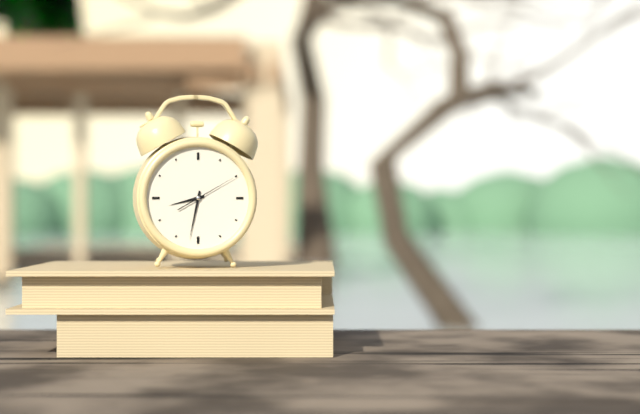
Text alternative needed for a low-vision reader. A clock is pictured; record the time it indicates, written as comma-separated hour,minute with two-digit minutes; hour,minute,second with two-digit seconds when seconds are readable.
8,32,10
